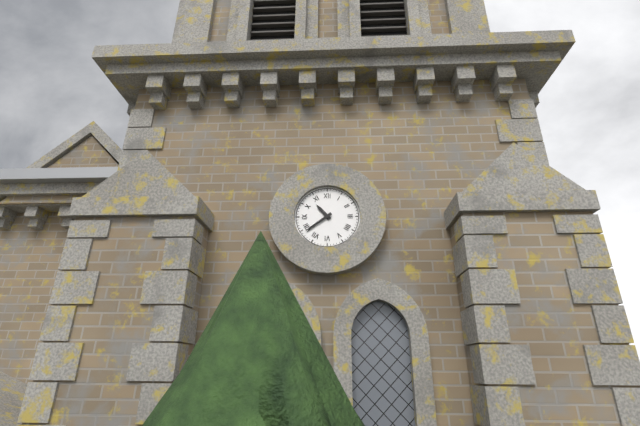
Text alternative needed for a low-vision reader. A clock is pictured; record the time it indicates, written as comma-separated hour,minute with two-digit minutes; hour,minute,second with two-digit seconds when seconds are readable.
10,39
